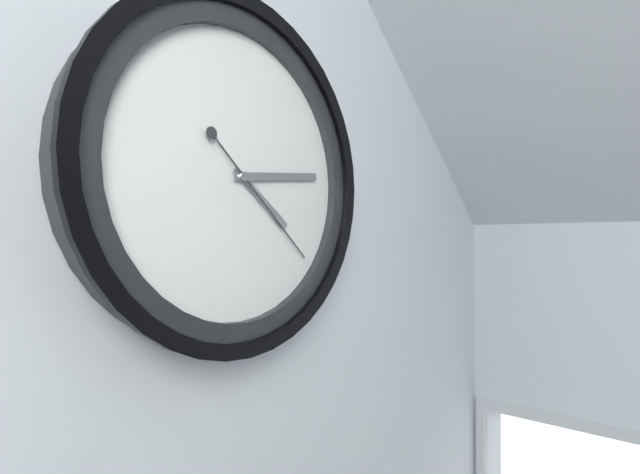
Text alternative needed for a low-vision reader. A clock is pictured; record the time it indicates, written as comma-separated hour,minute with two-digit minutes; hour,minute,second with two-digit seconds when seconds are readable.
4,14,22
